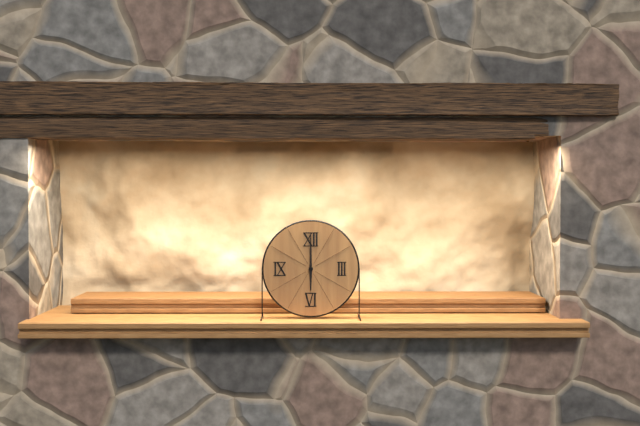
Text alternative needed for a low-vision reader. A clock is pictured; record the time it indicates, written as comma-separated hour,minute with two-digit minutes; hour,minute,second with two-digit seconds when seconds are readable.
6,00
